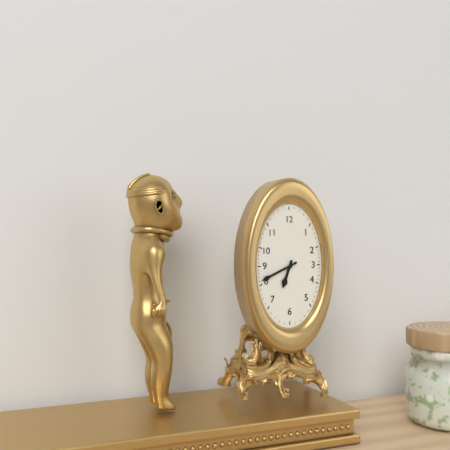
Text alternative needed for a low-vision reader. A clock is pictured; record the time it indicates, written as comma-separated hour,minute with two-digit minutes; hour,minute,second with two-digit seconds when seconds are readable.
6,41
